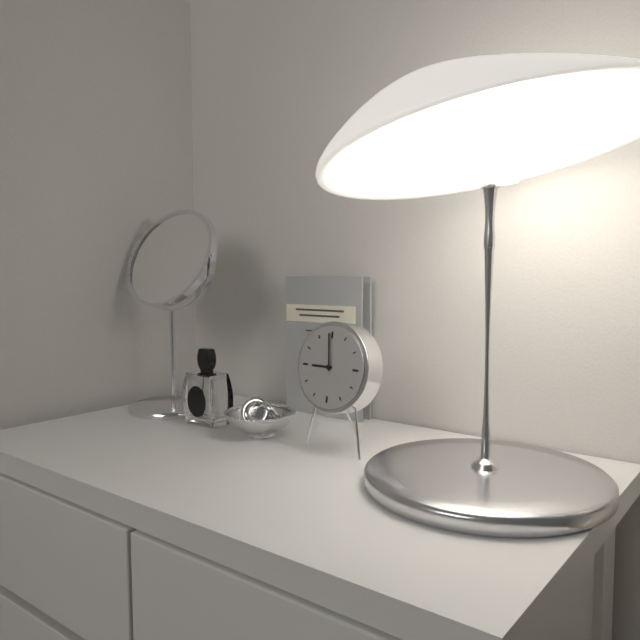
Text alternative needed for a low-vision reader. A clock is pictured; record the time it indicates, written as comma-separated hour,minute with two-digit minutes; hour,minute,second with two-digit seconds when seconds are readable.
8,59
